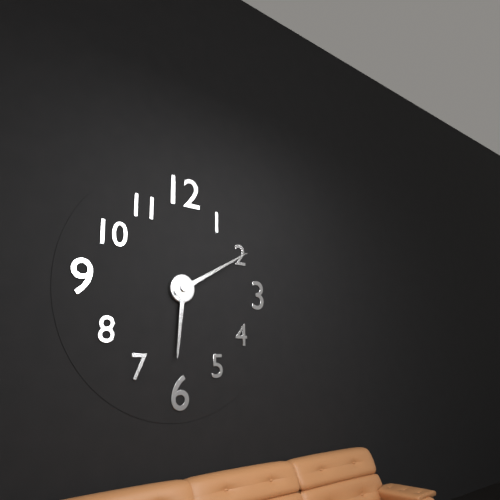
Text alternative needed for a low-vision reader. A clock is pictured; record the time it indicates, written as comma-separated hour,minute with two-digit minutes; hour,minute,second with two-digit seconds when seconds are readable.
6,10
